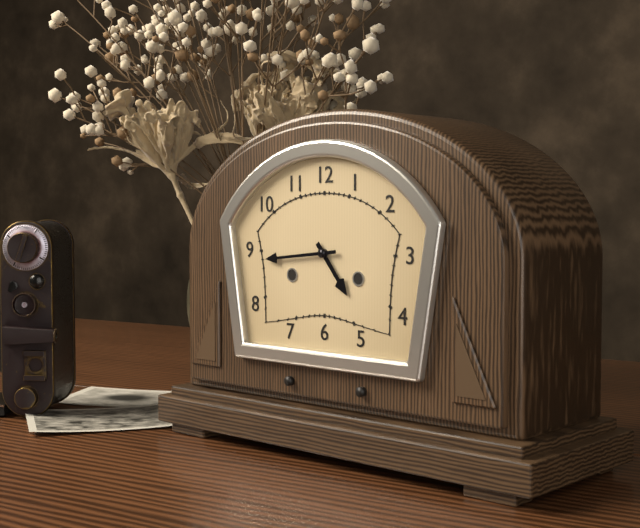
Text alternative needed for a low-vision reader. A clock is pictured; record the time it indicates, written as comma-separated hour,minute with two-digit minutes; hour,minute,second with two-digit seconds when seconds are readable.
4,44
